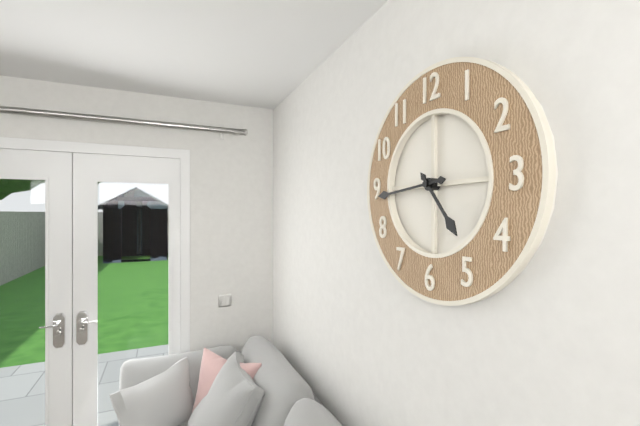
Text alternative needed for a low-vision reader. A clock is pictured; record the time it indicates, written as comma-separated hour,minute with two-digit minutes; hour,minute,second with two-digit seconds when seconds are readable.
4,44
